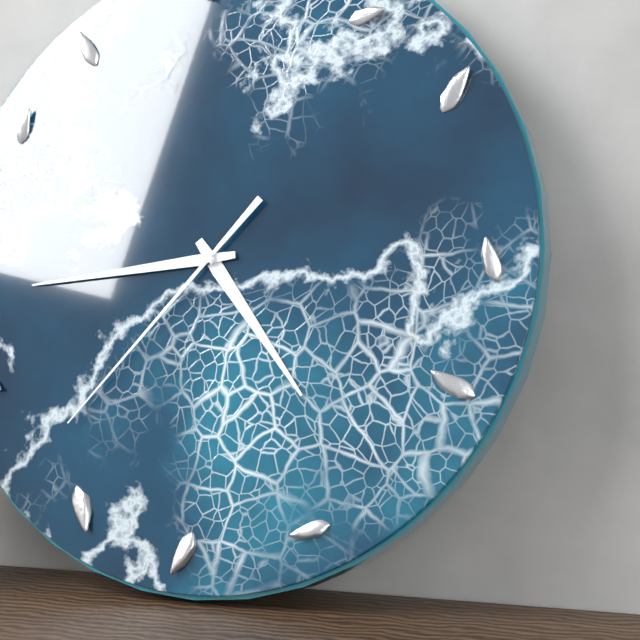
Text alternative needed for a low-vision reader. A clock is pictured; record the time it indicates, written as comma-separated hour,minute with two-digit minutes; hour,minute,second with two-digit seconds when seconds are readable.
4,44,37
